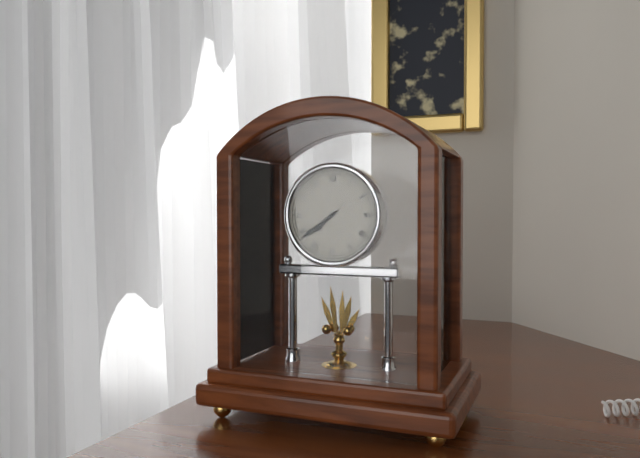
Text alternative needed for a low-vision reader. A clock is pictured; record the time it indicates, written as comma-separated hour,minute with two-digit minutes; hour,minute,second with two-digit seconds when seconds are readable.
7,39
